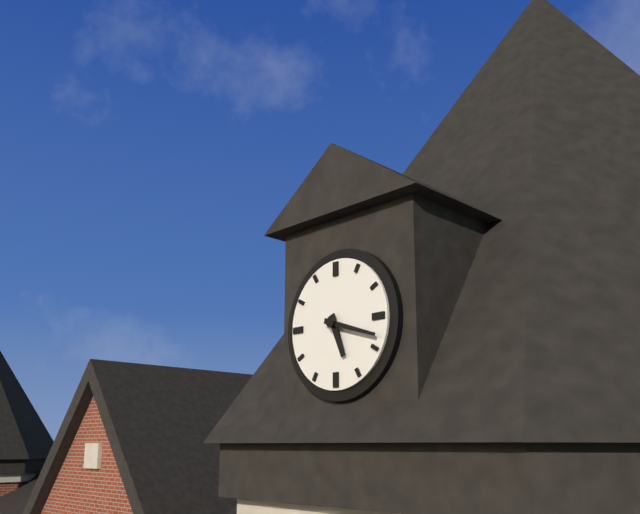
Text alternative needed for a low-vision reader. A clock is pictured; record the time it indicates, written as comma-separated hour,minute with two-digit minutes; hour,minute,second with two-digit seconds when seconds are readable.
5,18
